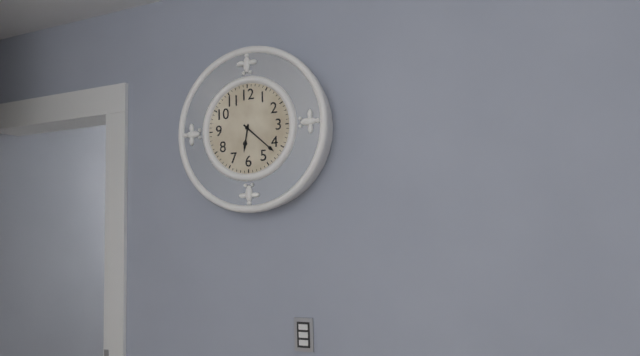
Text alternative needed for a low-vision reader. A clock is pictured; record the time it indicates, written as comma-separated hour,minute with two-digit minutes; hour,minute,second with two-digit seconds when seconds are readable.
6,22
